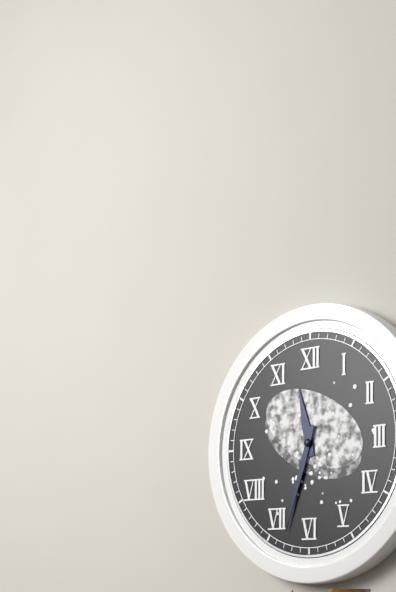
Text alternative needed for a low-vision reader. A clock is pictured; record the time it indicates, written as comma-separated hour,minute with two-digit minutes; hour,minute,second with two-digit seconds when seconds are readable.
11,33
